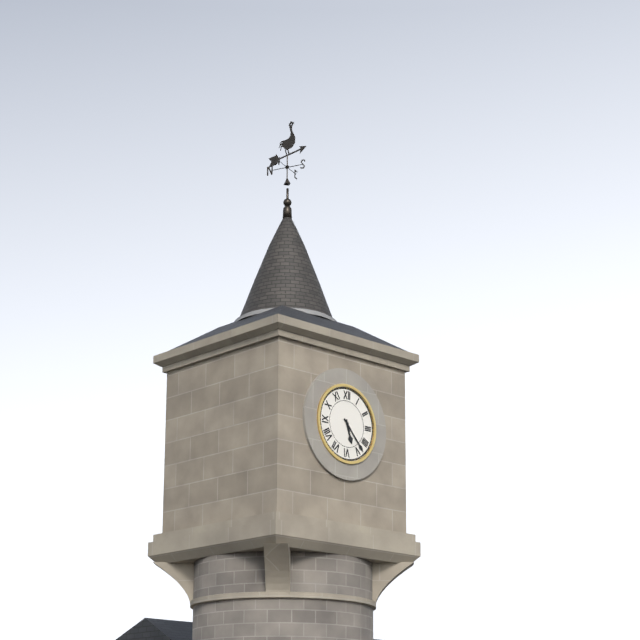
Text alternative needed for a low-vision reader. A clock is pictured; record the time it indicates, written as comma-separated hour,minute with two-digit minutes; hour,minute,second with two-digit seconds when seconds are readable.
5,23
